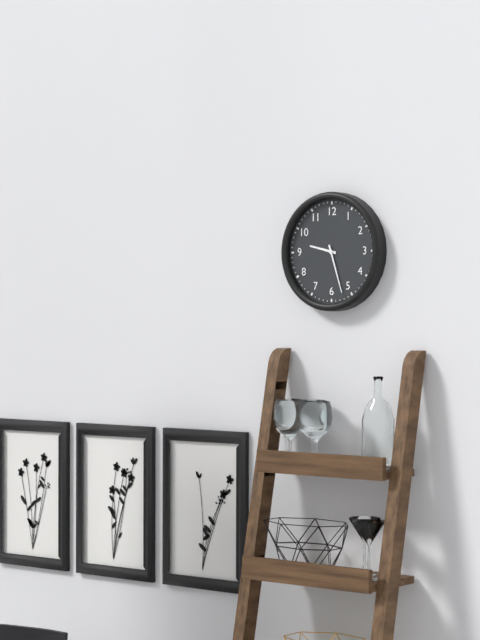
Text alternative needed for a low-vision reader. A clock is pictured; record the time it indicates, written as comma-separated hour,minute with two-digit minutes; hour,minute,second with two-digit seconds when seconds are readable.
9,27
